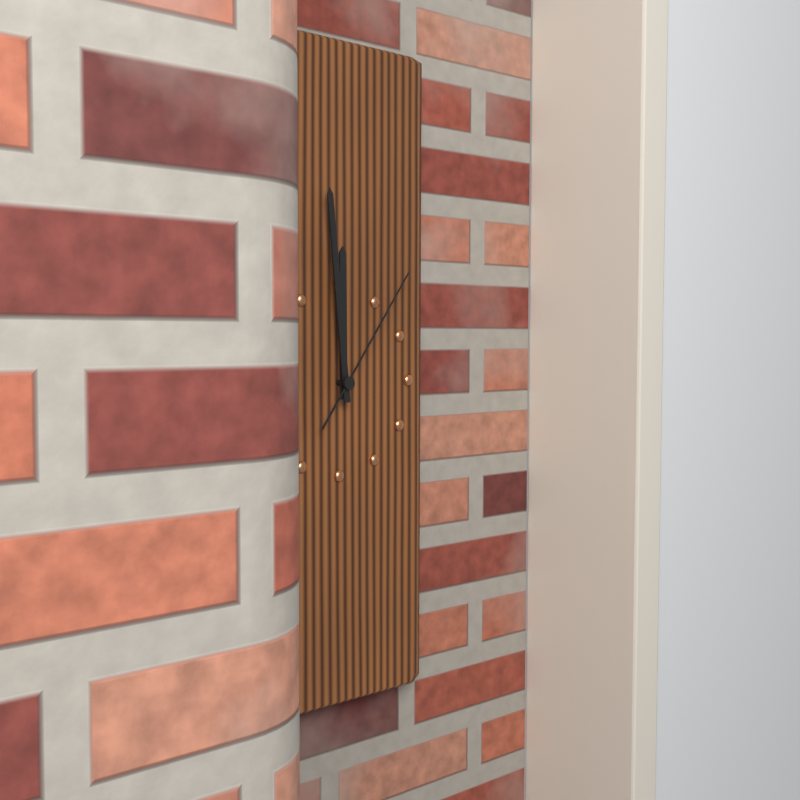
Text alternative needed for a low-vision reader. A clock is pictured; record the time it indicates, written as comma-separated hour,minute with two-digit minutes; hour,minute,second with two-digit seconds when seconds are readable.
11,59,06
